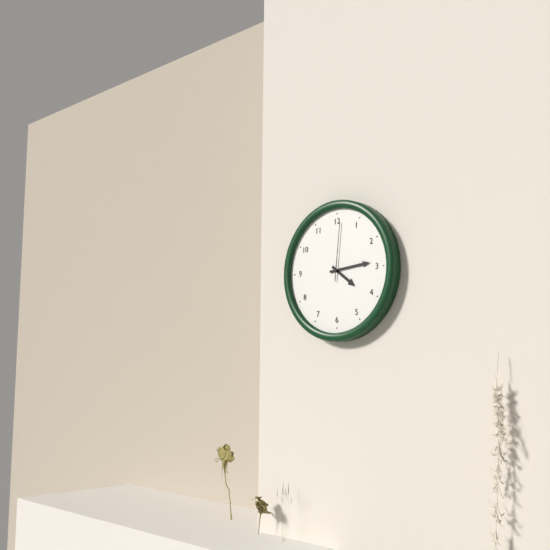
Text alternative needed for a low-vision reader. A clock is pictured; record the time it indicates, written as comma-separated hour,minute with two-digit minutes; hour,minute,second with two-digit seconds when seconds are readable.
4,14,01
